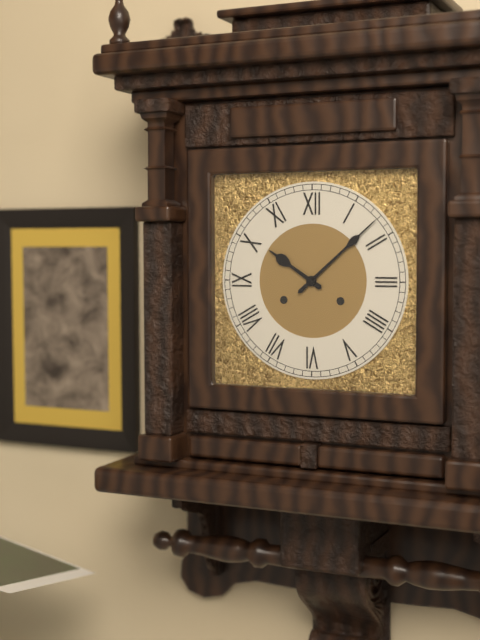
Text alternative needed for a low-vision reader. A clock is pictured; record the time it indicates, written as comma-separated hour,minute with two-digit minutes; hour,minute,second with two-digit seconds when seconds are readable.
10,08
